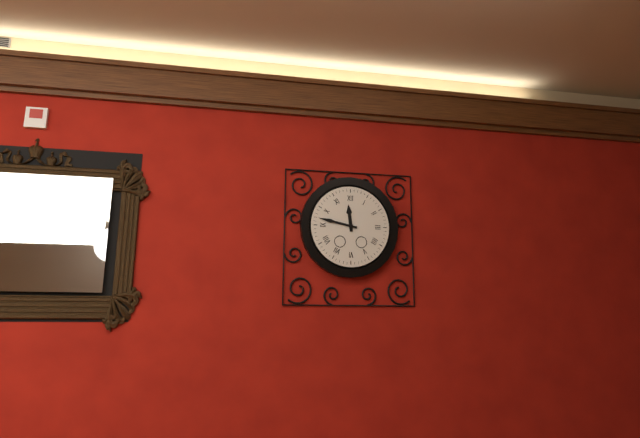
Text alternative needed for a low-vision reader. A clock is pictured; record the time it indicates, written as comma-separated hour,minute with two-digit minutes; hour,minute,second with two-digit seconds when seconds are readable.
11,47
